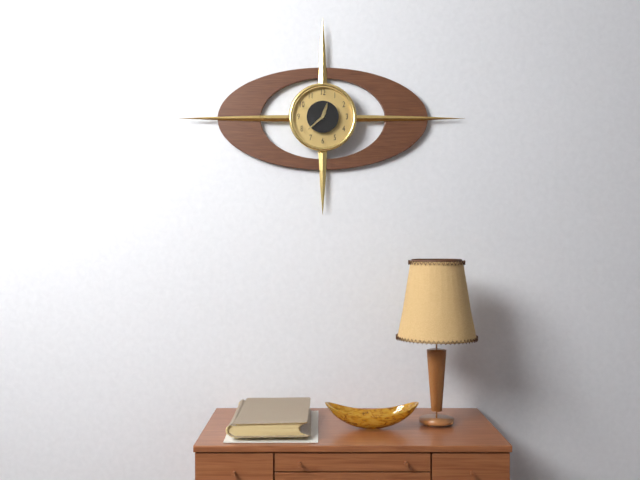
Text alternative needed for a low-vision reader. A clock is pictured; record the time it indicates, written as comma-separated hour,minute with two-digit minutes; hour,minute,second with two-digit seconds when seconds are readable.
12,38
